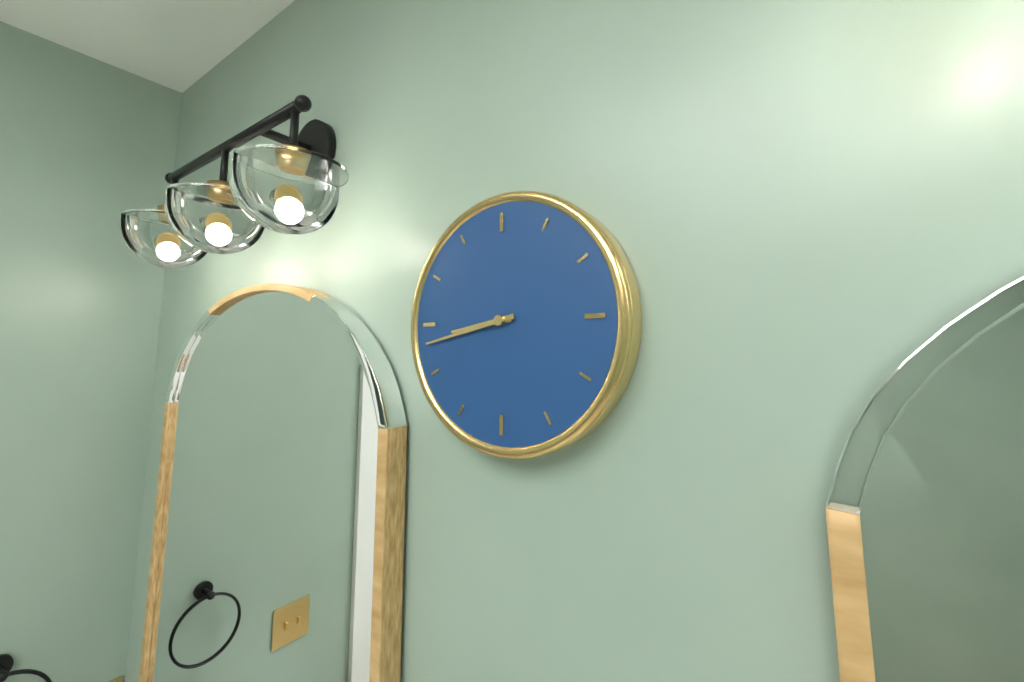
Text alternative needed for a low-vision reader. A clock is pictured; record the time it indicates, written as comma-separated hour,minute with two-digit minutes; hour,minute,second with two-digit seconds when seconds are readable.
8,43
